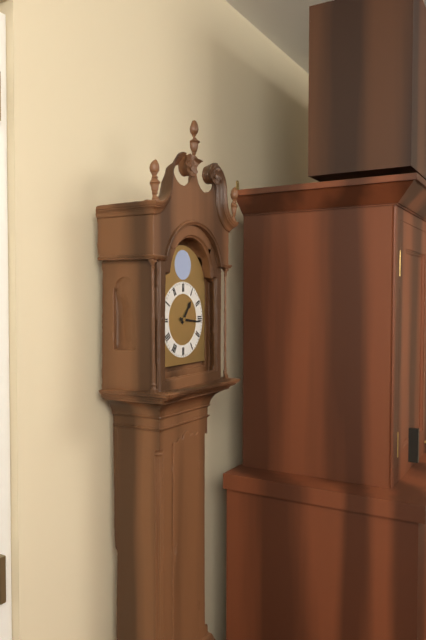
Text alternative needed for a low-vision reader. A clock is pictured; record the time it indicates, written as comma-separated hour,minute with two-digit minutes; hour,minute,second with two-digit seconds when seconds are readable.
1,16
